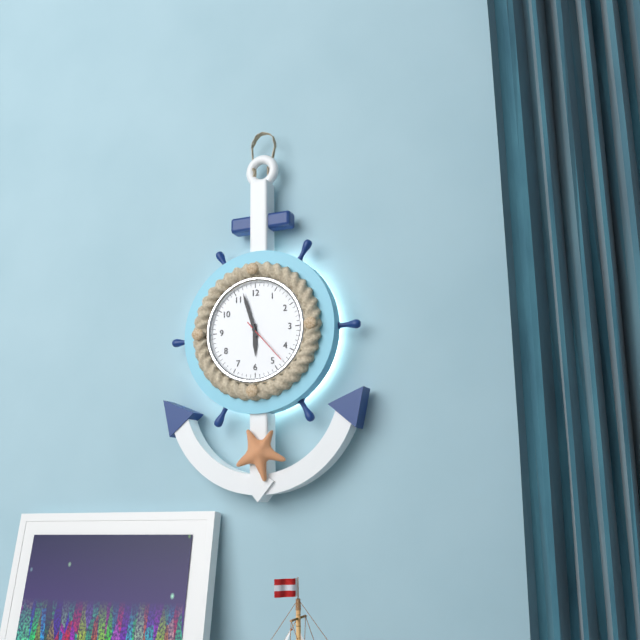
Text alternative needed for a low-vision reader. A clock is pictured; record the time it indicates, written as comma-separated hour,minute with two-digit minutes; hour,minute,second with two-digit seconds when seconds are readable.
5,57,23
